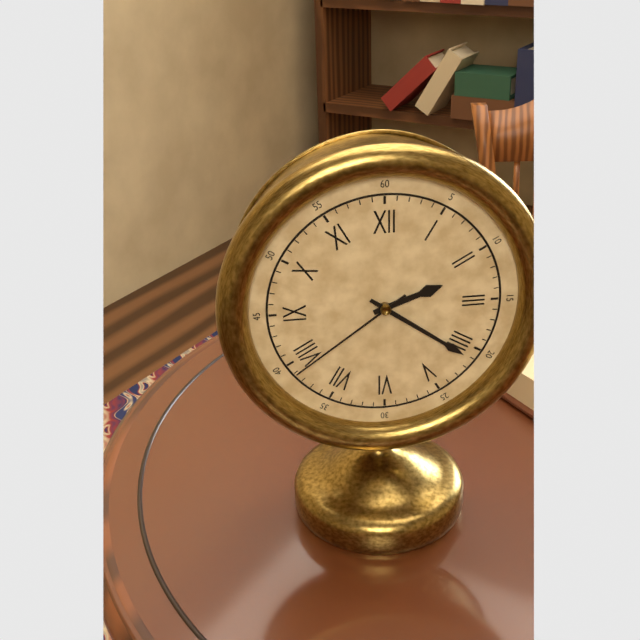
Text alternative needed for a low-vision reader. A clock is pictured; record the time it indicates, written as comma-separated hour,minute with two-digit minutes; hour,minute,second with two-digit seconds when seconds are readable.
2,21,39
